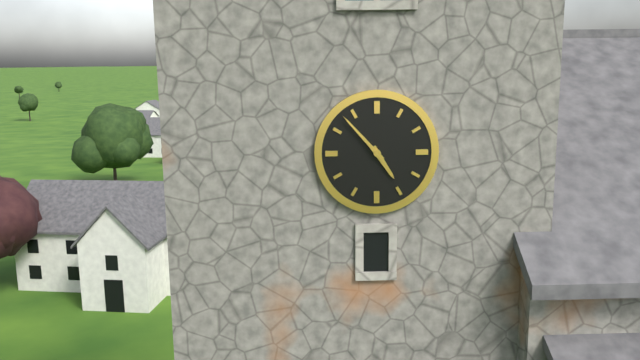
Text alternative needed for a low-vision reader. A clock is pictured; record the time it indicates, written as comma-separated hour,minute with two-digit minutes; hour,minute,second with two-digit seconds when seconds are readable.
4,53
